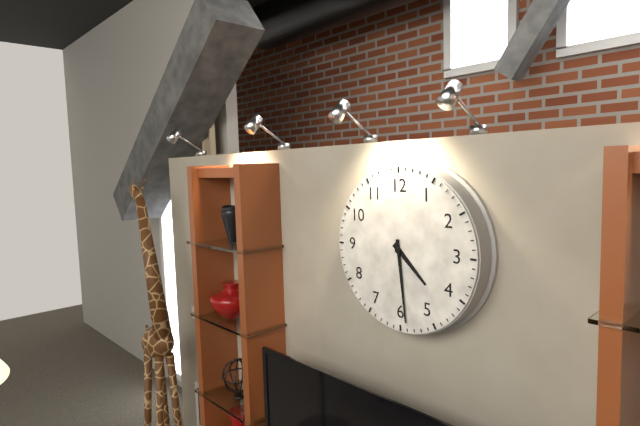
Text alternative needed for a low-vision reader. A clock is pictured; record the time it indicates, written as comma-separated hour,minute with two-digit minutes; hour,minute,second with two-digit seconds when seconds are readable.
4,29
